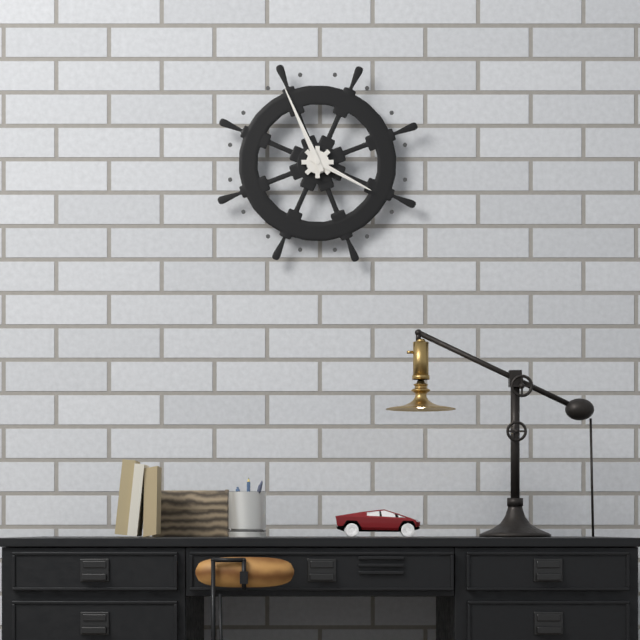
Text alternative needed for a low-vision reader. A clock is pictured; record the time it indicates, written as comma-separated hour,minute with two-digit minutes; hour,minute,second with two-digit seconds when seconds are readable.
3,56
